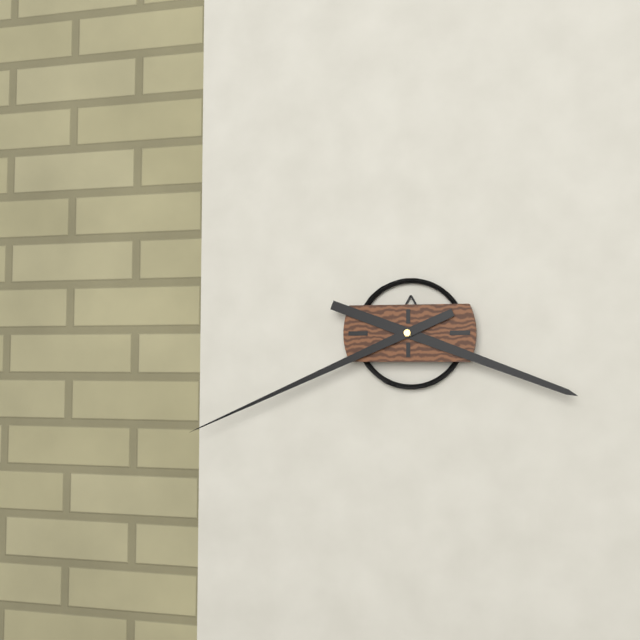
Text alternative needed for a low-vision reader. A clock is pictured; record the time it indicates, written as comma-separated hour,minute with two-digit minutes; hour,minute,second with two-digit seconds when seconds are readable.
3,41
